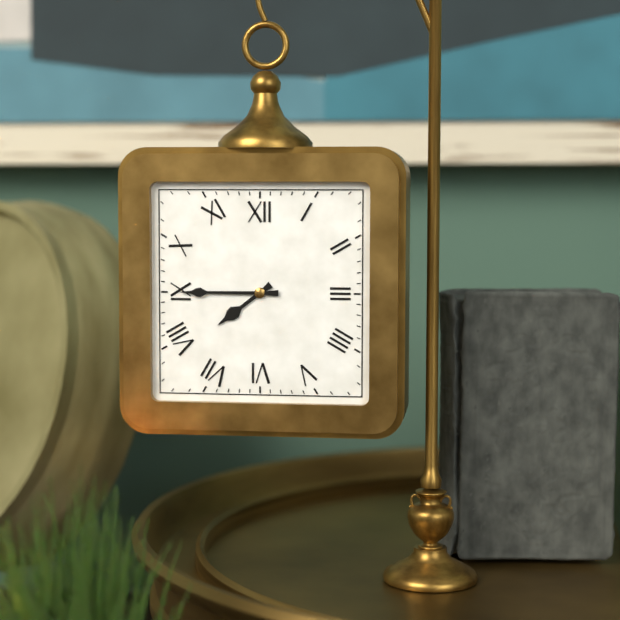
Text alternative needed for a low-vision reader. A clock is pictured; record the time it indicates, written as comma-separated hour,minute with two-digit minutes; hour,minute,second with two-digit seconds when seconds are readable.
7,45
